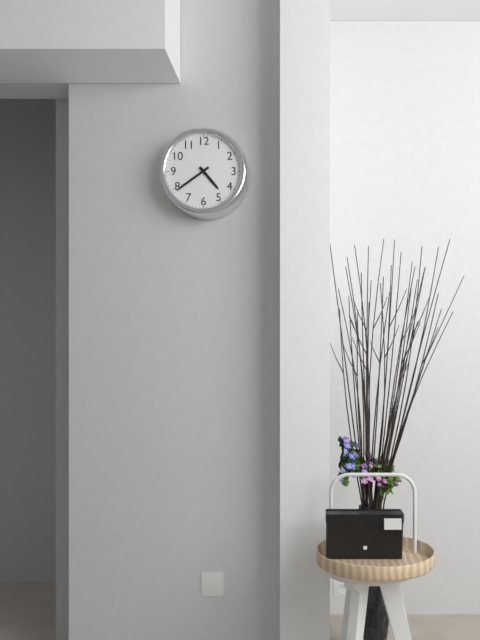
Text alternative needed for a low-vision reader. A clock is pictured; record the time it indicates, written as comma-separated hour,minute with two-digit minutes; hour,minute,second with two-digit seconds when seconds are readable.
4,39
